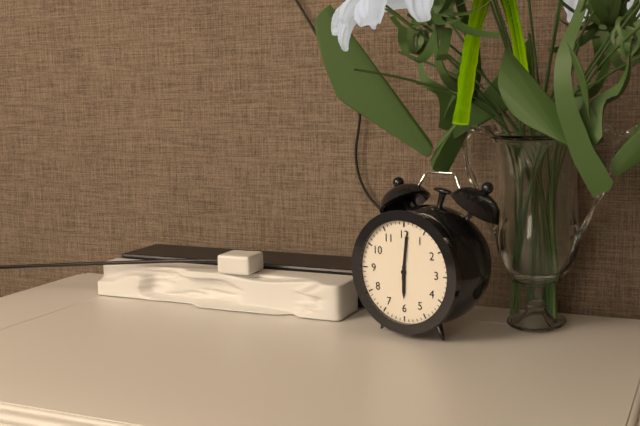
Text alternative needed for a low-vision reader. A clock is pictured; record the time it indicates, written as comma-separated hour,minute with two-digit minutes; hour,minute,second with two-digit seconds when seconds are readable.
6,01
